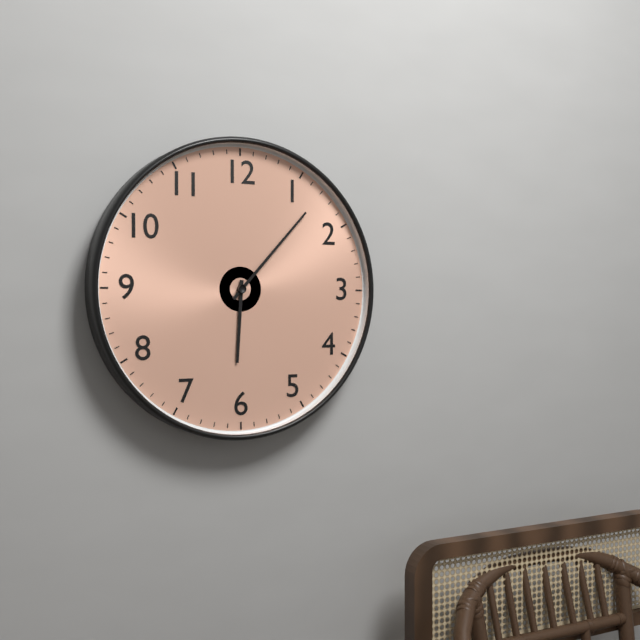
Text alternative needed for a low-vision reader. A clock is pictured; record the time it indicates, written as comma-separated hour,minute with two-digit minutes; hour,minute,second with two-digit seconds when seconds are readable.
6,07
